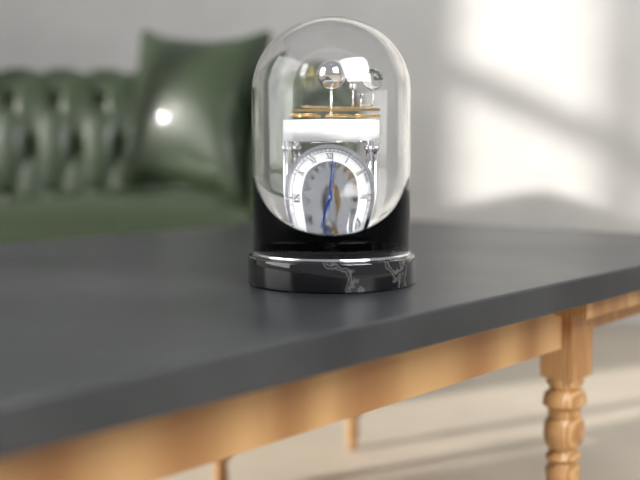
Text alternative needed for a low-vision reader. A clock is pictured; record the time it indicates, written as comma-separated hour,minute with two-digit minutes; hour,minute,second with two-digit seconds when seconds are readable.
7,01
